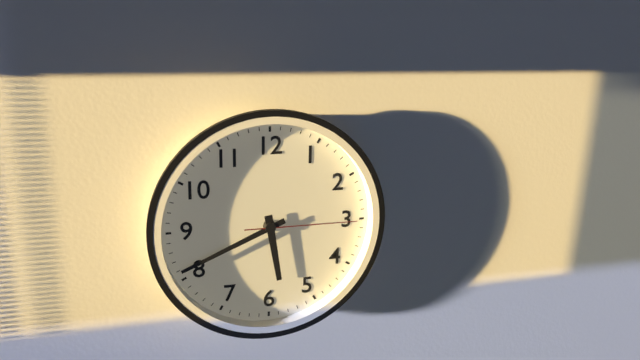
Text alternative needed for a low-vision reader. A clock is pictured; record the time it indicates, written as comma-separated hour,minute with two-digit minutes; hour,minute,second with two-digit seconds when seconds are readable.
5,41,15
